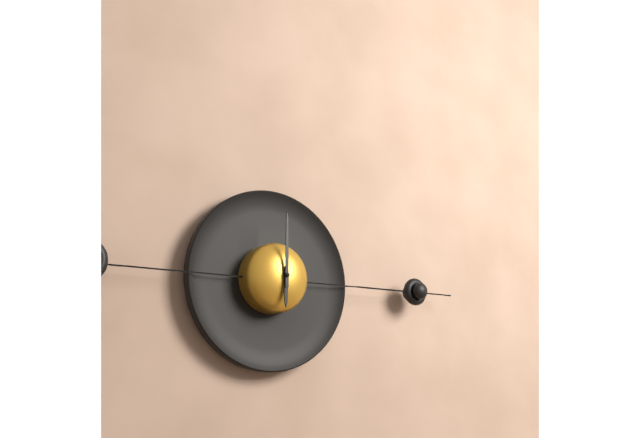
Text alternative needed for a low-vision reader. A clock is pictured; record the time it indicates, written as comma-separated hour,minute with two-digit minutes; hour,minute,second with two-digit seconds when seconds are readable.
6,00
